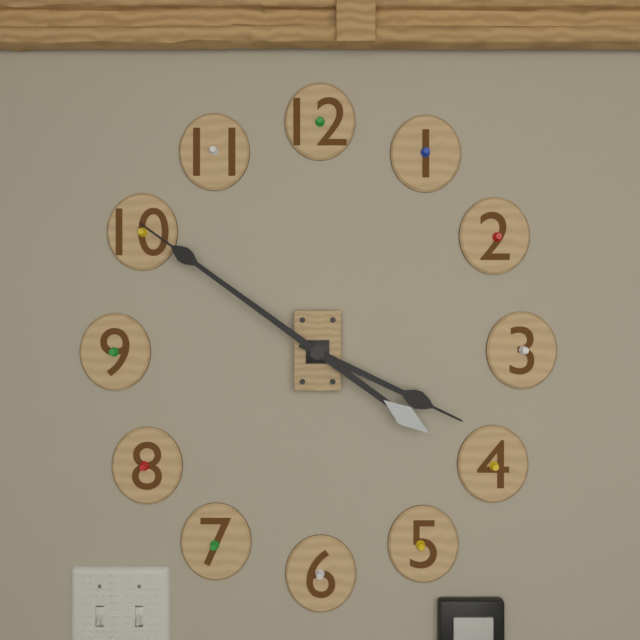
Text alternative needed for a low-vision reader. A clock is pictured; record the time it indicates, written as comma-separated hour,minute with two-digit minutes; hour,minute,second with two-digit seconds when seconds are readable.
3,51
